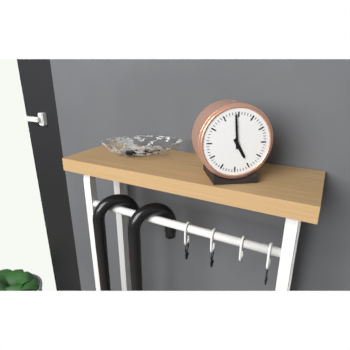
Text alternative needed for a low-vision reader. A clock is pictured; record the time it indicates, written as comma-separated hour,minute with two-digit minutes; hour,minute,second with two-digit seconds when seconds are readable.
4,59
